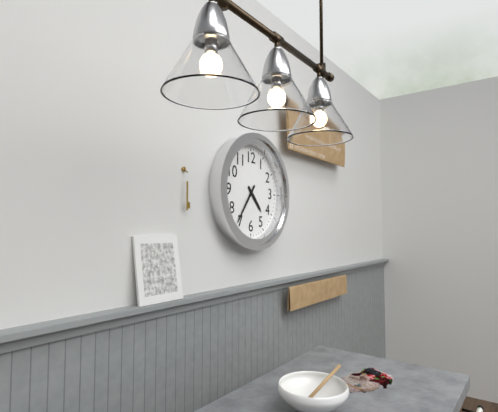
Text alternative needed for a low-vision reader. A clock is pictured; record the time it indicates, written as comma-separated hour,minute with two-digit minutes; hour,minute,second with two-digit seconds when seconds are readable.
4,36
